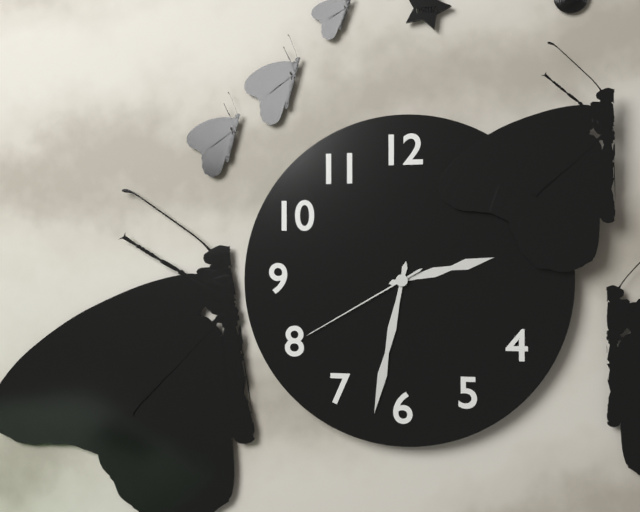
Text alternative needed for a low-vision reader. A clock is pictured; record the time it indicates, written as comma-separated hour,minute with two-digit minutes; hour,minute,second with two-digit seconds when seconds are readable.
2,32,40
